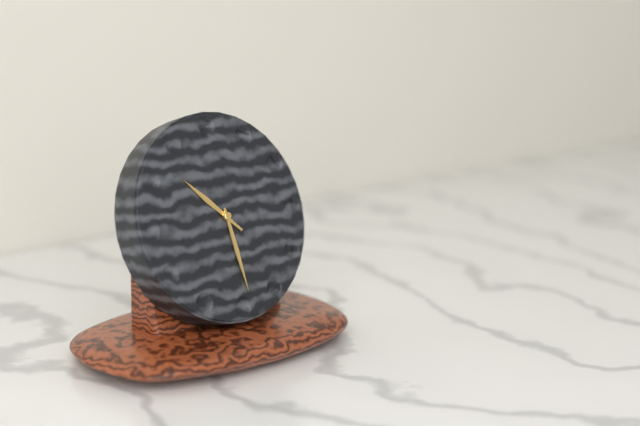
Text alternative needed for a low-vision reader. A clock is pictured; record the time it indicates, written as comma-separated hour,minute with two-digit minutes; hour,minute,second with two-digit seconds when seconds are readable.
10,29
